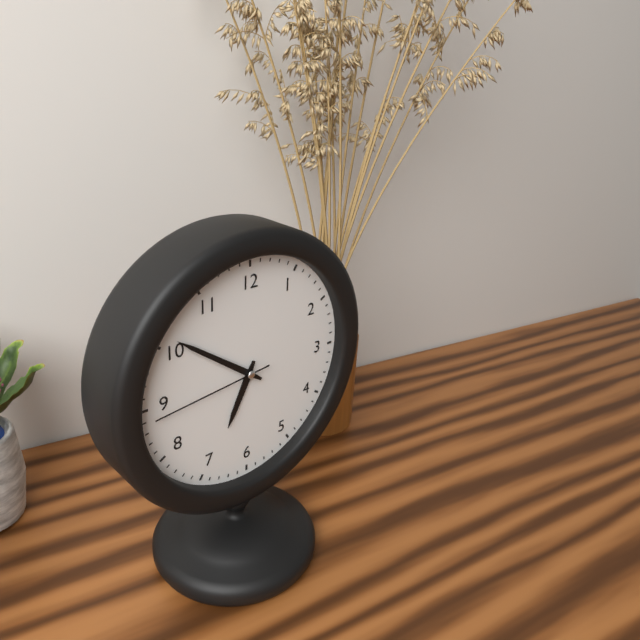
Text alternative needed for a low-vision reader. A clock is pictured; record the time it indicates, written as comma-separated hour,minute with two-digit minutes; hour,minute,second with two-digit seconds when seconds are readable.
6,51,44
